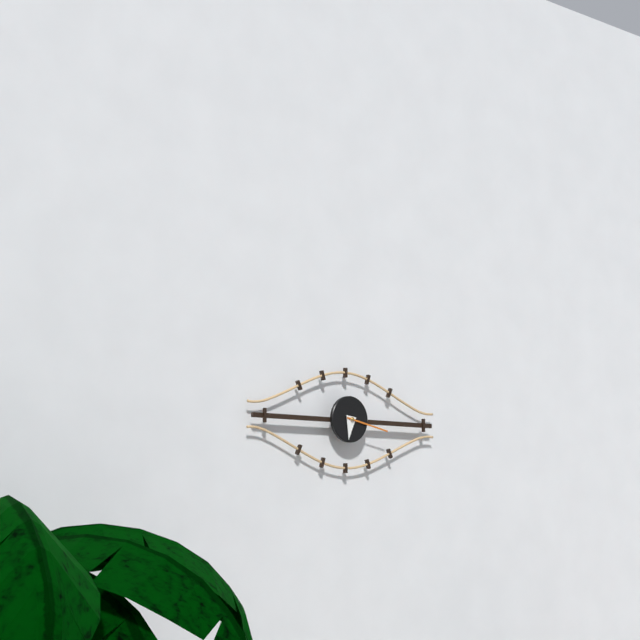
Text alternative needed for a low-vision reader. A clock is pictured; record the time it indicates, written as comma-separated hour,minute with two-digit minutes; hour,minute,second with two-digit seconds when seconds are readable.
6,17
